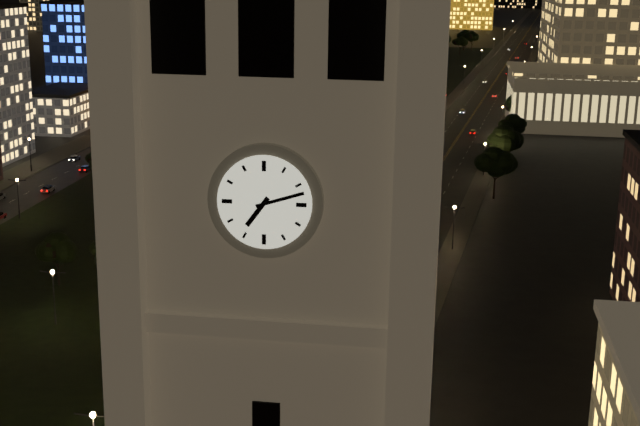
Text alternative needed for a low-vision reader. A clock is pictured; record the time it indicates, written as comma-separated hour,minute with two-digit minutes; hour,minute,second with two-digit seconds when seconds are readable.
7,12
